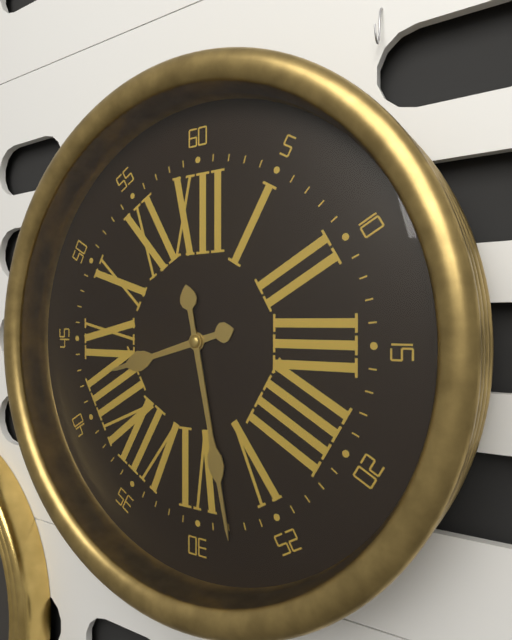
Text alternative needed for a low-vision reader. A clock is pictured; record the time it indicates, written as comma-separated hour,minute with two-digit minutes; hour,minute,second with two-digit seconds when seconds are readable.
8,28
